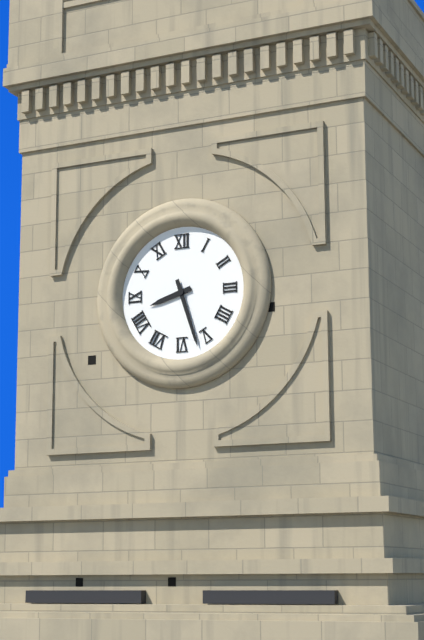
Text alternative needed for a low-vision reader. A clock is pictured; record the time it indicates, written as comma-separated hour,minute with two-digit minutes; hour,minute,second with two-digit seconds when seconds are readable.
8,27
